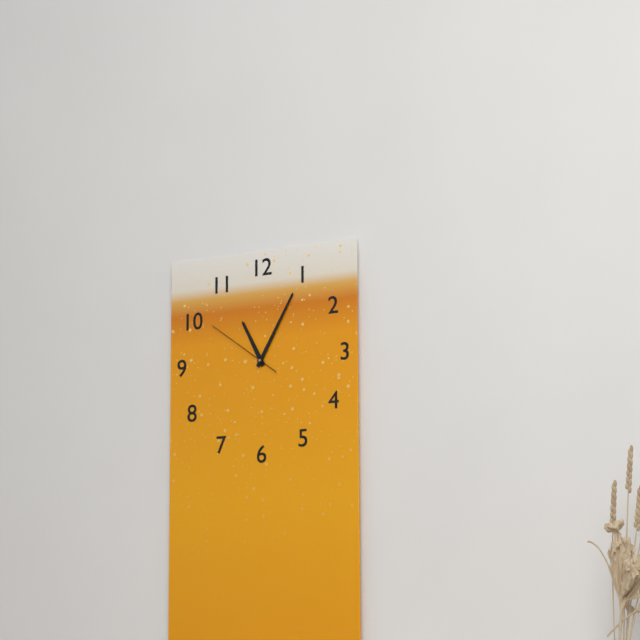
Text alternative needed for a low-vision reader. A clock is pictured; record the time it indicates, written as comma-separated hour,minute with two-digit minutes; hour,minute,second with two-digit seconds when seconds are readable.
11,05,51
